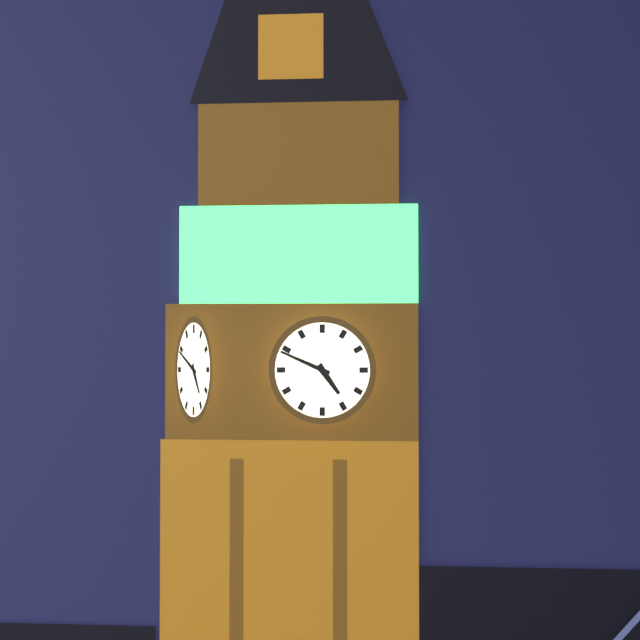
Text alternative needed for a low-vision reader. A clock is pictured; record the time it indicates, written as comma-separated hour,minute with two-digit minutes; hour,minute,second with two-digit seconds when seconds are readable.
4,49
